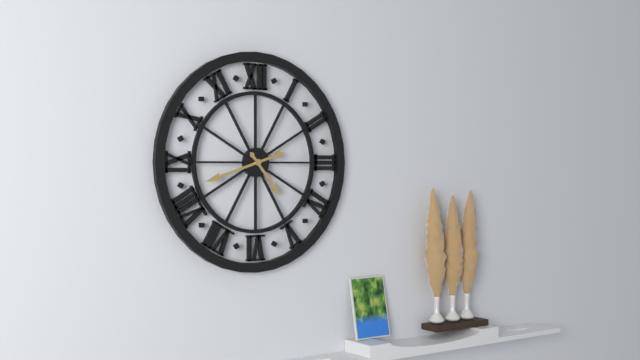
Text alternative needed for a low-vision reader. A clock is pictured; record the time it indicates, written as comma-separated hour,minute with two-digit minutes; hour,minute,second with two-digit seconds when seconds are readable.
4,42
